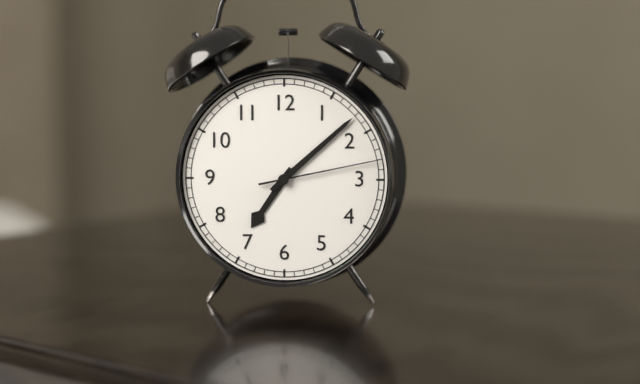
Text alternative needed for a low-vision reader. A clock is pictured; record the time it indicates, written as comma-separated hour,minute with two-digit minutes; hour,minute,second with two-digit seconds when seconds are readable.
7,08,13
